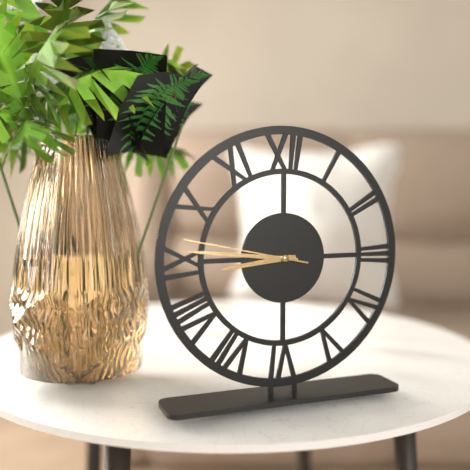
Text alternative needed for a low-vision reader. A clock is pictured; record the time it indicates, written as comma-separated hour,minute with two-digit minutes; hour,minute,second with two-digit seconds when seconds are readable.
8,46,47
